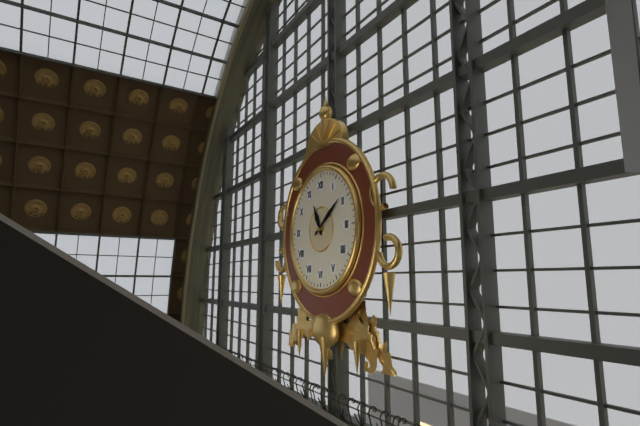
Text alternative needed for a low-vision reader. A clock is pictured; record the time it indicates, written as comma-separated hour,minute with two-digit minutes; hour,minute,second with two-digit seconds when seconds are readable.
11,09
